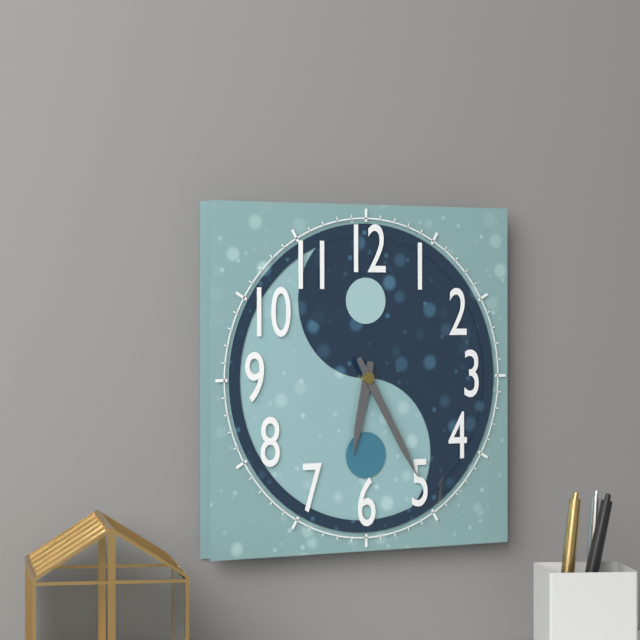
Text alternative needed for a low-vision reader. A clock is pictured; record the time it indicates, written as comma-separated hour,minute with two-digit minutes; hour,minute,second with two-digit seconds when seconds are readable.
6,25
